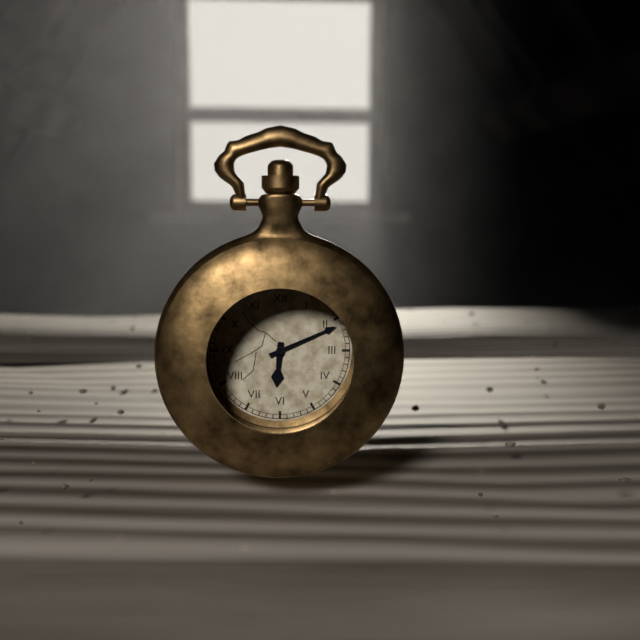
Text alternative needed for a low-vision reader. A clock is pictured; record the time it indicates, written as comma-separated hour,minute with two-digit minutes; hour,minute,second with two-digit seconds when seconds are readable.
6,11
